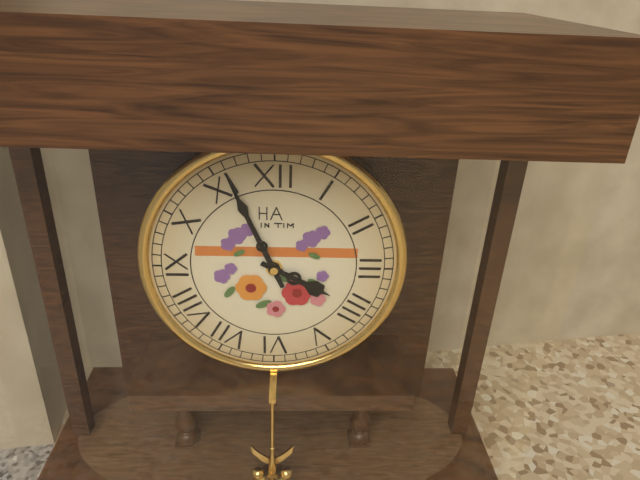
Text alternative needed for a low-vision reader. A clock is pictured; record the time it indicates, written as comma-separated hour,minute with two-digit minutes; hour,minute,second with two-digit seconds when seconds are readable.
3,56
